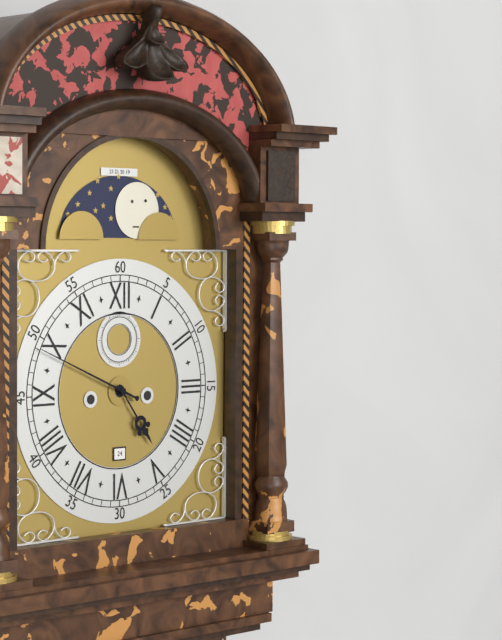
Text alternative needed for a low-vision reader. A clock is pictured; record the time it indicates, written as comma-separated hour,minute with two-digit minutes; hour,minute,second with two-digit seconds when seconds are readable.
4,49
